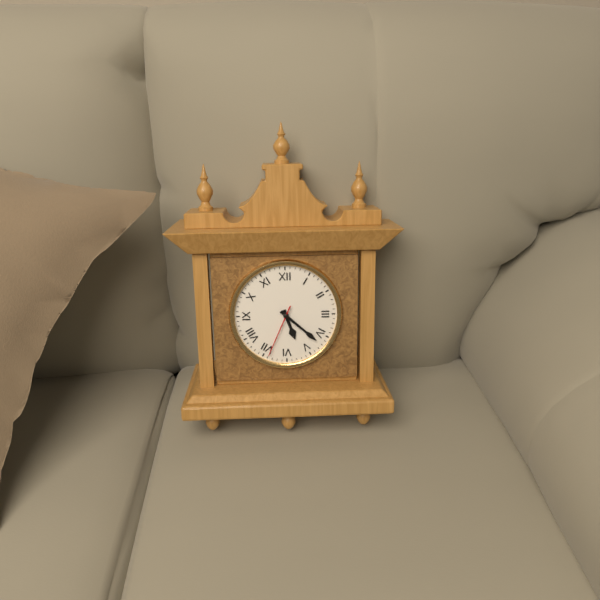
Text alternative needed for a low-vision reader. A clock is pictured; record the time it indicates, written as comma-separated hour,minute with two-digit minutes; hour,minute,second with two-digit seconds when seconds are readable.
5,22,34
